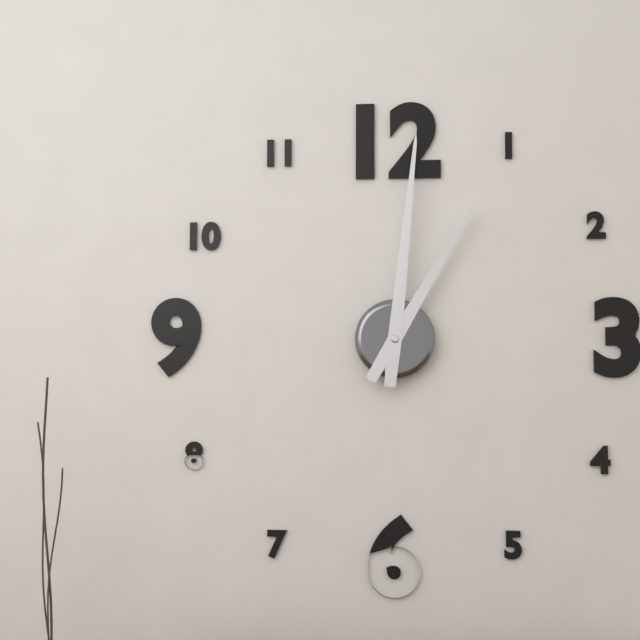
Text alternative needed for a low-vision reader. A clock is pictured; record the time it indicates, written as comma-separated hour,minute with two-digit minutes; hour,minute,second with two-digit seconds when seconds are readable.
1,01
